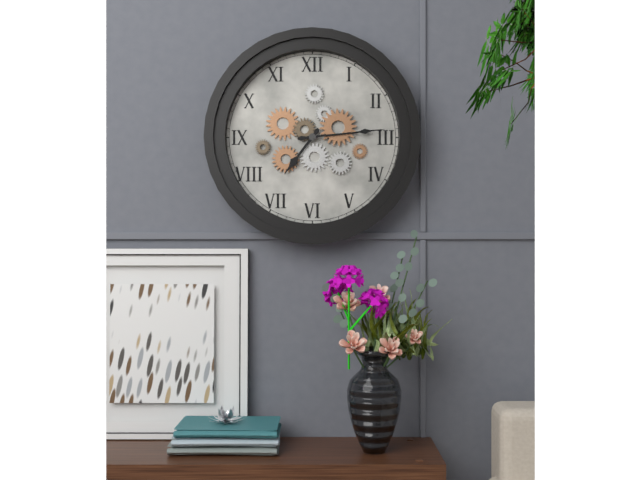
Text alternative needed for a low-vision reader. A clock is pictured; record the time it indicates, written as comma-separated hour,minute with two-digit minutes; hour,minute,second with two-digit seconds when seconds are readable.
7,14
